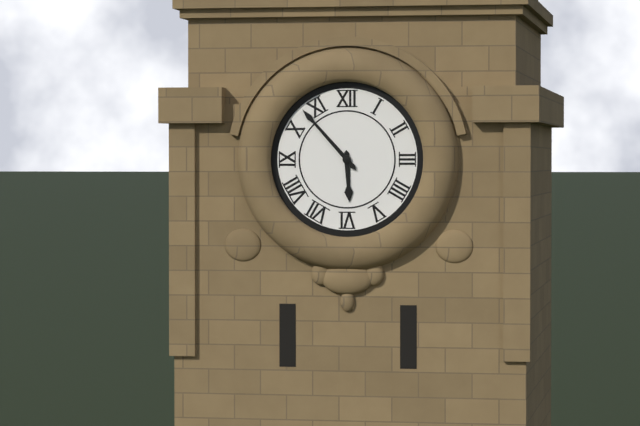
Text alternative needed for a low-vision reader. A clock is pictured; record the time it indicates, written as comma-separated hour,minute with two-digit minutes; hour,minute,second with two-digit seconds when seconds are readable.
5,53
